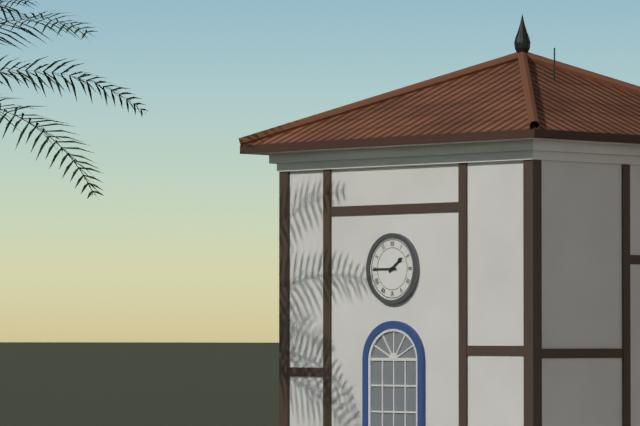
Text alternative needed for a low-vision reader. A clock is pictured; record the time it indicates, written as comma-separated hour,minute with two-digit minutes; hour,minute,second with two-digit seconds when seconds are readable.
1,45
